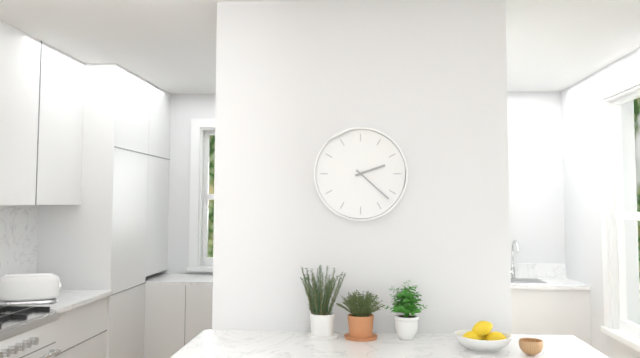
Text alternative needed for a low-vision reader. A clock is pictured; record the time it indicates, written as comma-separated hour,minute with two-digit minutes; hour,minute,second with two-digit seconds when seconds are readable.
2,22
